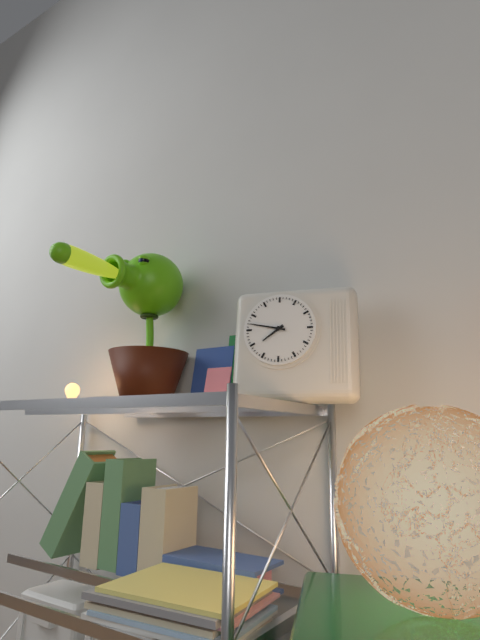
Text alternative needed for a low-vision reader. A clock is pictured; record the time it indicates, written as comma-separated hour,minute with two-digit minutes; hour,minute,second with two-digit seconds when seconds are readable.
7,47
